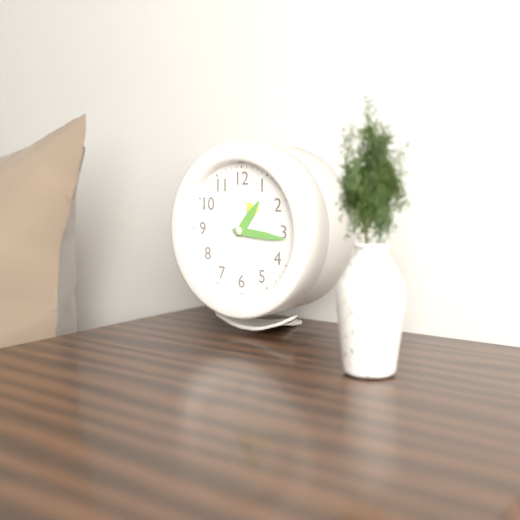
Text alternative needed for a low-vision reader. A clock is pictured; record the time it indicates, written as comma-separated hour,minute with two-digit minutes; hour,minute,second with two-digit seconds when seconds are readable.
1,16
